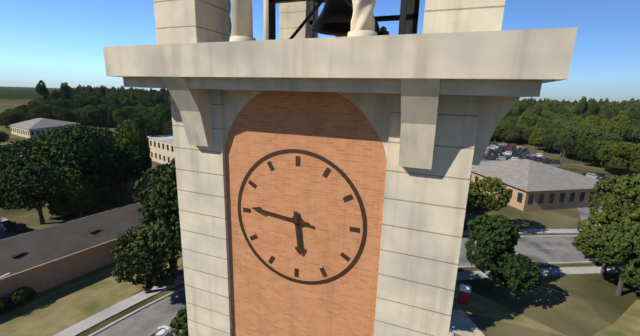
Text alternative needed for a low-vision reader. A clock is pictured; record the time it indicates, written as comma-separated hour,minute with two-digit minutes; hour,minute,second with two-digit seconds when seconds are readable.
5,46
